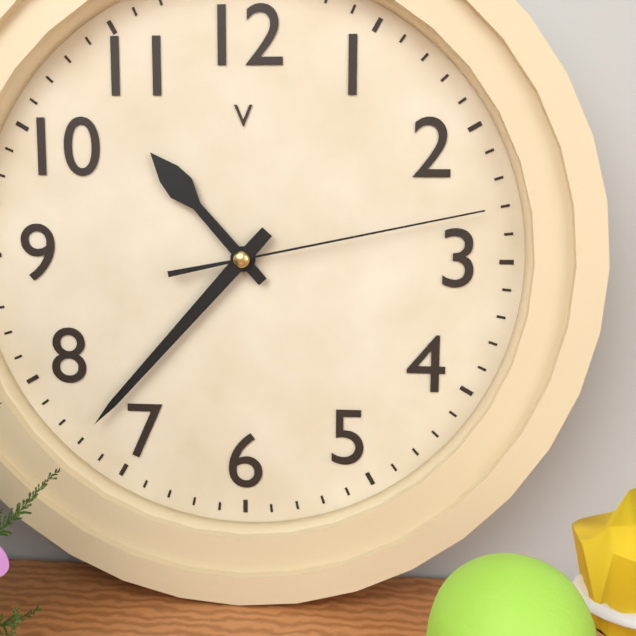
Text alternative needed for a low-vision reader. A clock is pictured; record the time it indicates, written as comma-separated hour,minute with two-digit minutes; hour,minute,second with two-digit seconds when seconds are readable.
10,37,13
